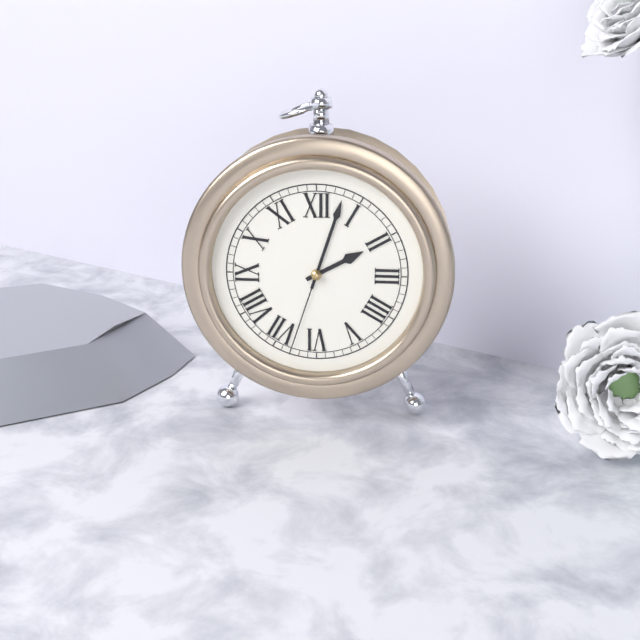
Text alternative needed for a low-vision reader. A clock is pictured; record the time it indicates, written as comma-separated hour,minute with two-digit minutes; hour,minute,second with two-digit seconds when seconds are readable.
2,03,33
